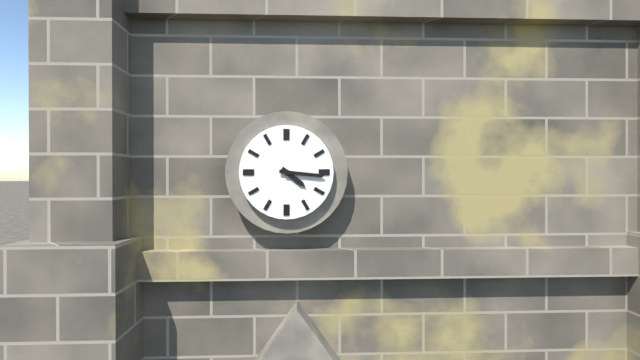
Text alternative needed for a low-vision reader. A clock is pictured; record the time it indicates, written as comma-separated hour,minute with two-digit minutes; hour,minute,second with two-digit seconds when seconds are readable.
4,16
